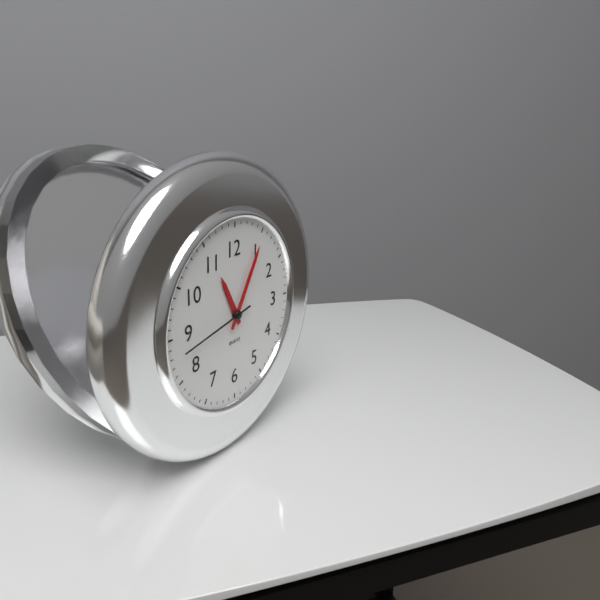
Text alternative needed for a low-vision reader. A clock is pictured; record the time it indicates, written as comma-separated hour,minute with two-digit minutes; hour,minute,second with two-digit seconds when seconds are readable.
11,05,43
